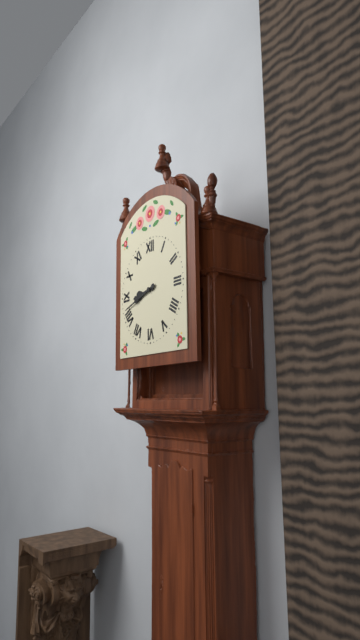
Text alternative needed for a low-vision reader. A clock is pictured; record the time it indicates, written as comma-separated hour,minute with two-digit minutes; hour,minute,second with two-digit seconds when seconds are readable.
8,42
